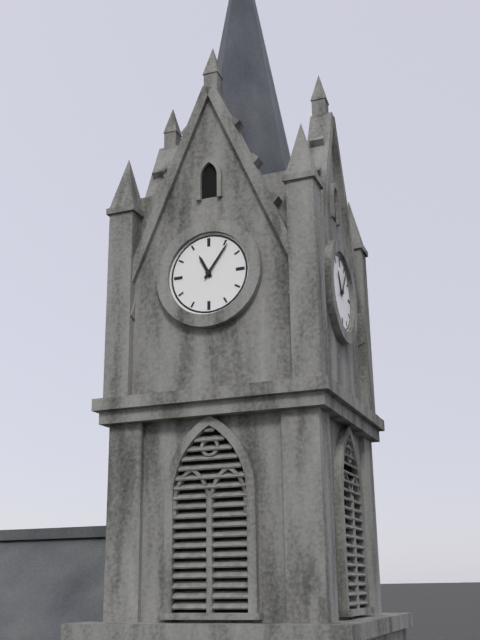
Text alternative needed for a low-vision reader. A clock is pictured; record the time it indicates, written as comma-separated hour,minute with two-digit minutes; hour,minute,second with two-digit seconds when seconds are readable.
11,06
